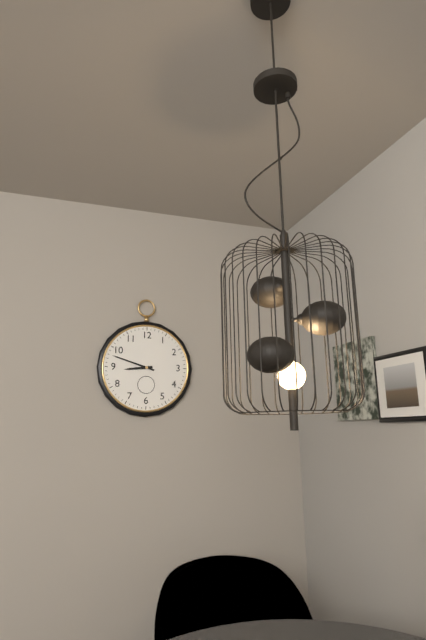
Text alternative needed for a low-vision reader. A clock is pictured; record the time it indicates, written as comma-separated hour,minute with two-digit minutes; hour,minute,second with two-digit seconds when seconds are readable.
8,48
